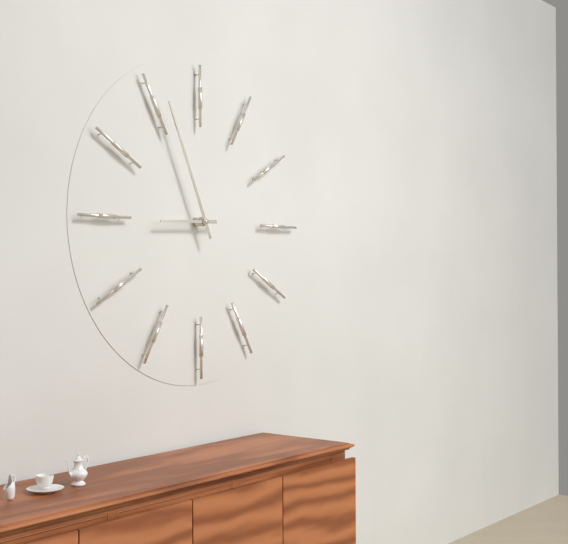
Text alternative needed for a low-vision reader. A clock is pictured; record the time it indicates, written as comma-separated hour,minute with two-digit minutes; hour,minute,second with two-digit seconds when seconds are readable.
8,56
